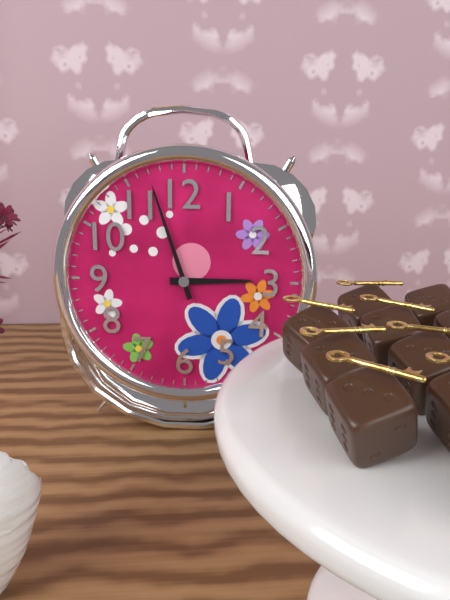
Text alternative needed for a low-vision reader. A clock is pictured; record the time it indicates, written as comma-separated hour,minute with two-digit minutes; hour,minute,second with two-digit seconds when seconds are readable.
2,57
